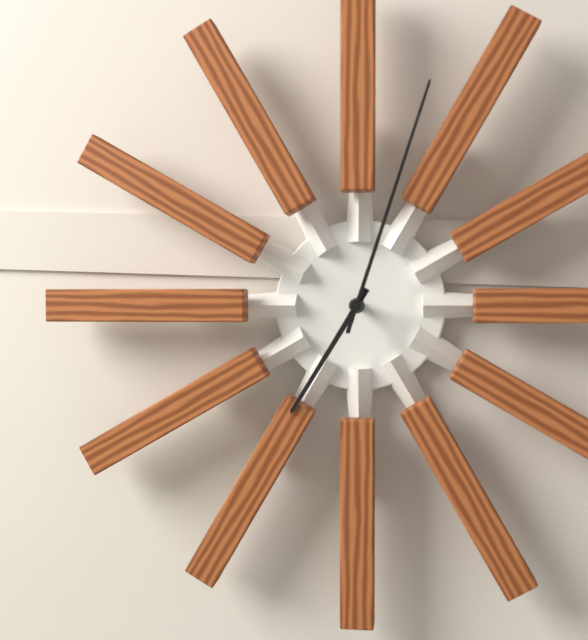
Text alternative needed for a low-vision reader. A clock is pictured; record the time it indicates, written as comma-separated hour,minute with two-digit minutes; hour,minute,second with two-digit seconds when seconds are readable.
7,03
